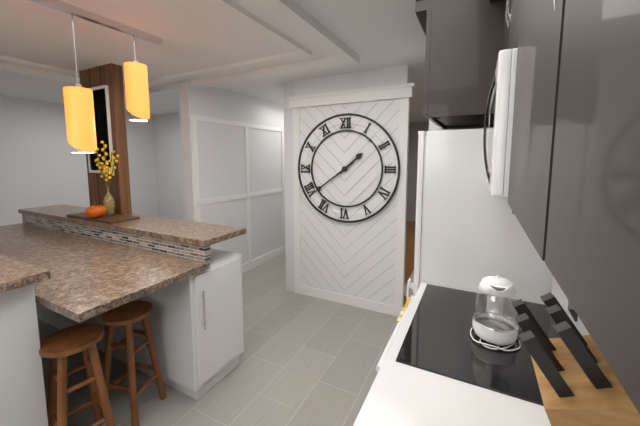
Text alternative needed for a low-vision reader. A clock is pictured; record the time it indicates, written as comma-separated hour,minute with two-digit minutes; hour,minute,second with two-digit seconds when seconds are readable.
1,39
